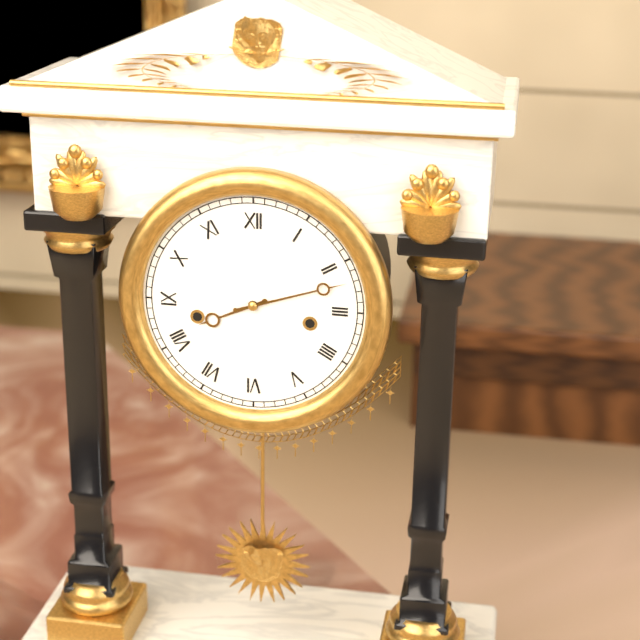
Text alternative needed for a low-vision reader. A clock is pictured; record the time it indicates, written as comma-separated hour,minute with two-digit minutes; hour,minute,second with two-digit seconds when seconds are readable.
8,12
